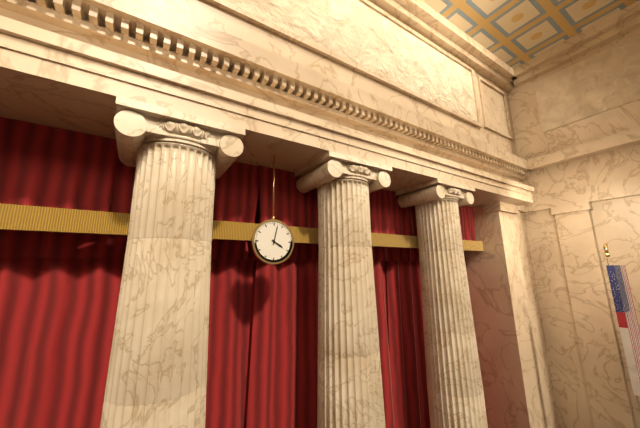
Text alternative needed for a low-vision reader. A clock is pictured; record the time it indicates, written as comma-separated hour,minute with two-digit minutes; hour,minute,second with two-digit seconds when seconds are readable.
4,02
